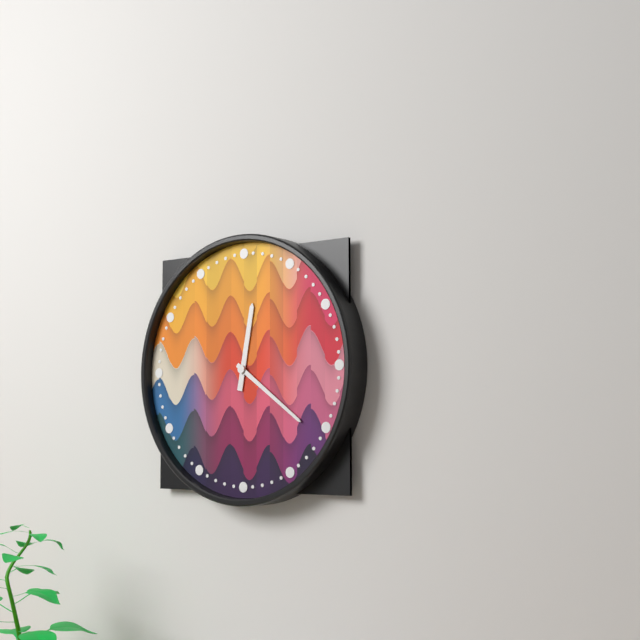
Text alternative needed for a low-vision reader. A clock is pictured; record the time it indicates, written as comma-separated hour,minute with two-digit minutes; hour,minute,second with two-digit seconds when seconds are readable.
12,21
